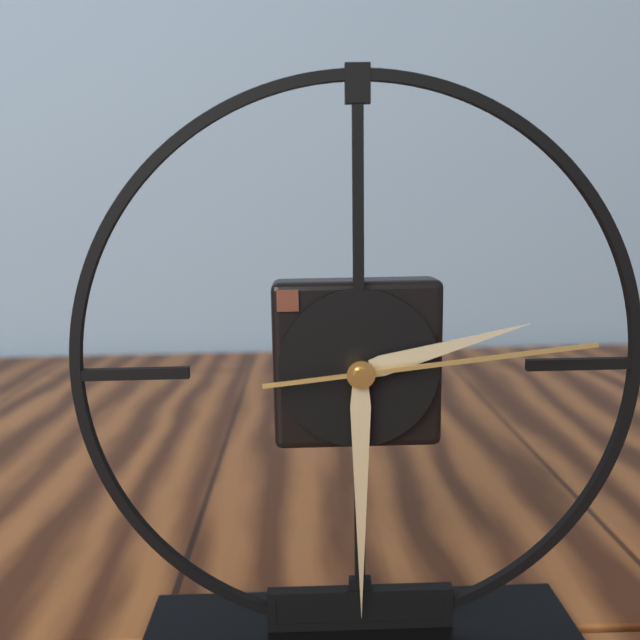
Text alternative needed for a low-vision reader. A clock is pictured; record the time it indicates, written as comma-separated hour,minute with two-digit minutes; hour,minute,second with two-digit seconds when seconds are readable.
2,30,14
